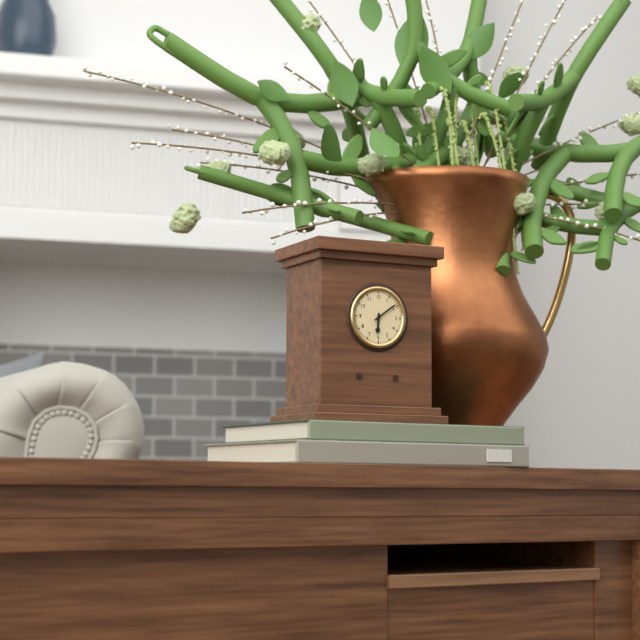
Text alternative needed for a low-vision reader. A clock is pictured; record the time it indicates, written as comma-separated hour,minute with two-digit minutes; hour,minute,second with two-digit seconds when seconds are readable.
6,09
